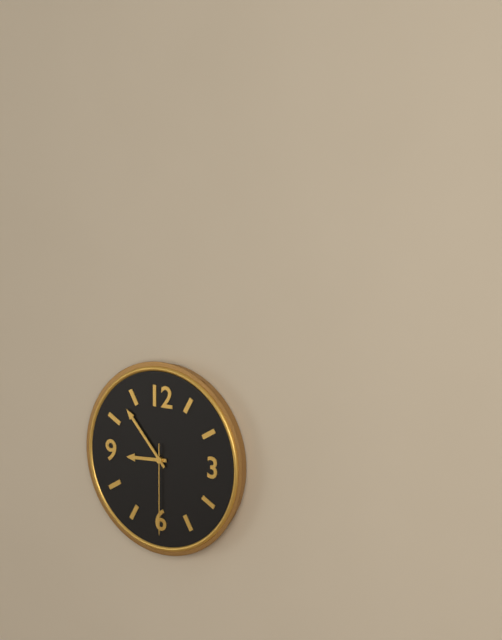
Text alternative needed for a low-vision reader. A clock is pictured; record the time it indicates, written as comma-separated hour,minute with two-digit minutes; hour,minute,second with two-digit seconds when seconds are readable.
8,53,30
